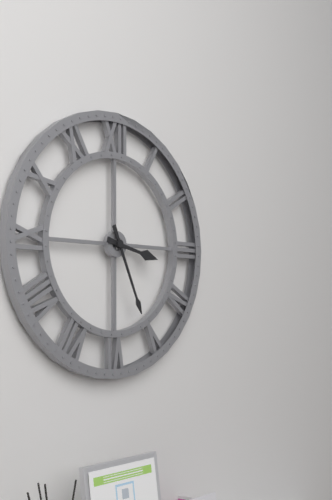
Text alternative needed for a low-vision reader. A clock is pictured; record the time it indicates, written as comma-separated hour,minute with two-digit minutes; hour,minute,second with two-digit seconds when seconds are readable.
3,26
